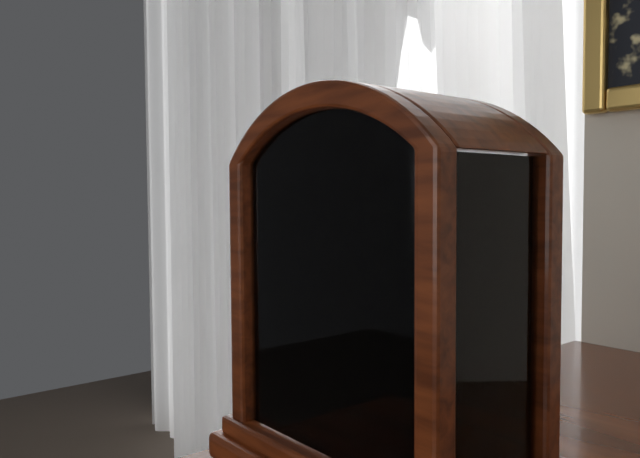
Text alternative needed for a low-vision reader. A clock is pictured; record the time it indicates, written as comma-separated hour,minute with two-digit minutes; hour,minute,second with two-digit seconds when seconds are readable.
8,08
